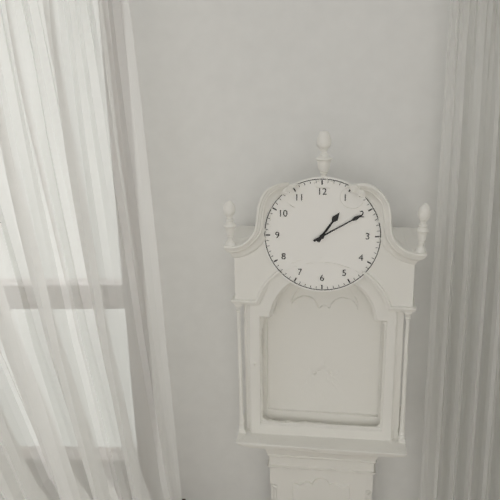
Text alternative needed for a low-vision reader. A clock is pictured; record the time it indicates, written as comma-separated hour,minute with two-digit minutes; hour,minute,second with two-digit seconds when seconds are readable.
1,10
